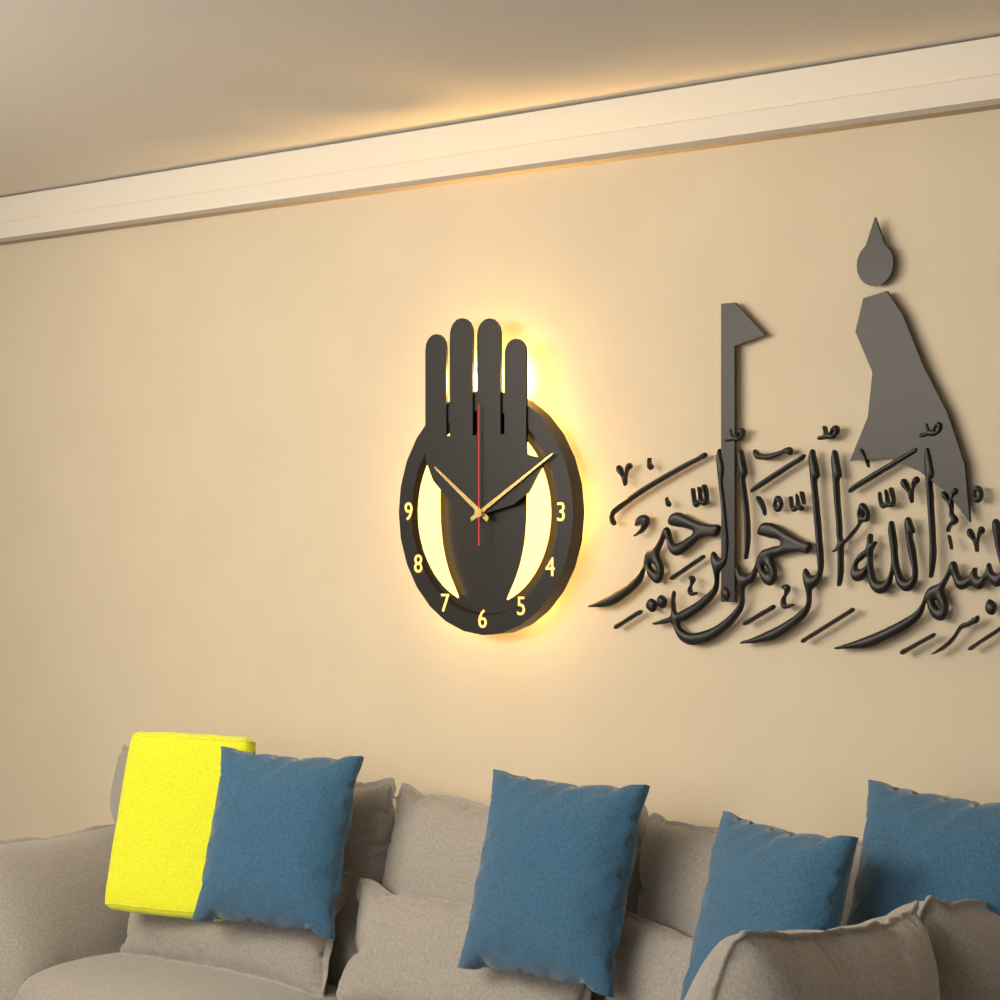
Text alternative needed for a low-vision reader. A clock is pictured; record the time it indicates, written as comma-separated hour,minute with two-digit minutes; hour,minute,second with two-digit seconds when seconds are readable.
10,10,00
